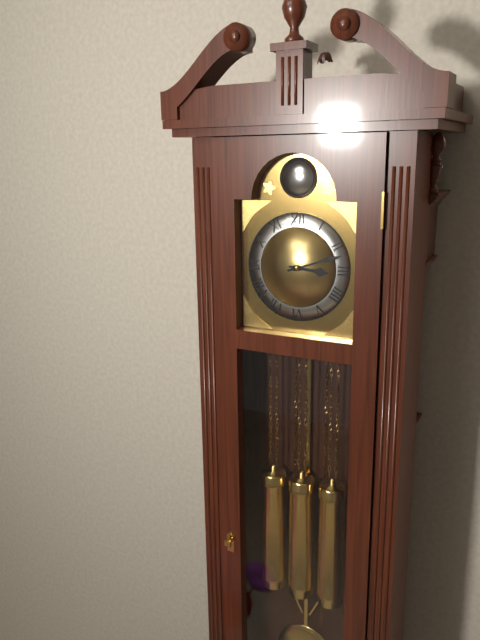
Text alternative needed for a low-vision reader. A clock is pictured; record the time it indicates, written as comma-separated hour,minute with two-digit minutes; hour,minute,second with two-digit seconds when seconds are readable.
3,12
